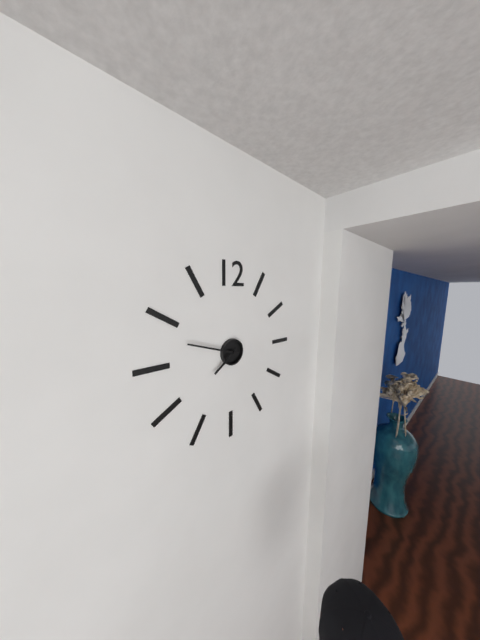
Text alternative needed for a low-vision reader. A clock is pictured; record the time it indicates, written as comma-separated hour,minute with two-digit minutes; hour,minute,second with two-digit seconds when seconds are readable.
7,48
